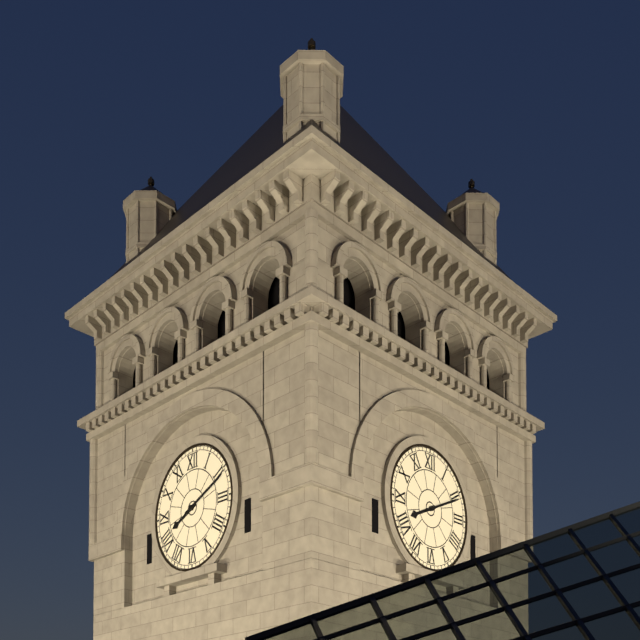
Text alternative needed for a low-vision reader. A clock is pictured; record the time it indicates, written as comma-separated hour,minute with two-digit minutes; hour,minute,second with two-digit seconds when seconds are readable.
8,11
